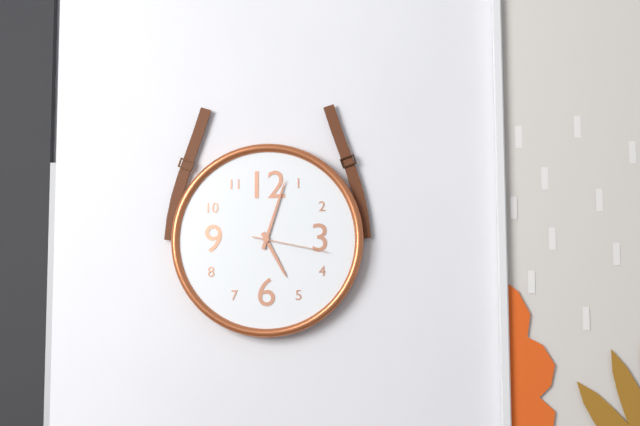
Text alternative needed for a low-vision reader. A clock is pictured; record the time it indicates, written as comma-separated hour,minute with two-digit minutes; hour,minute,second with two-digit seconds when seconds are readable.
5,03,17
